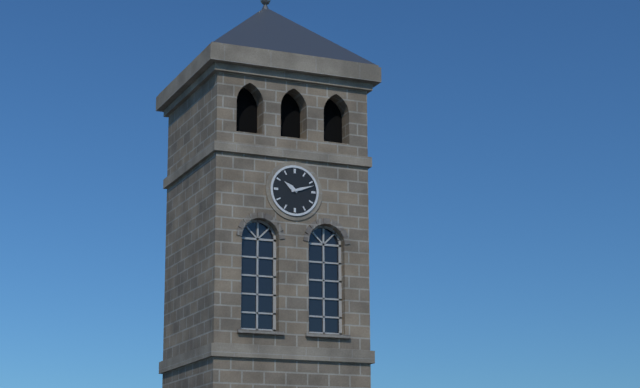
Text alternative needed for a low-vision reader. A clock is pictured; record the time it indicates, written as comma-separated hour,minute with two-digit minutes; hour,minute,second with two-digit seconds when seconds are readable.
10,12
